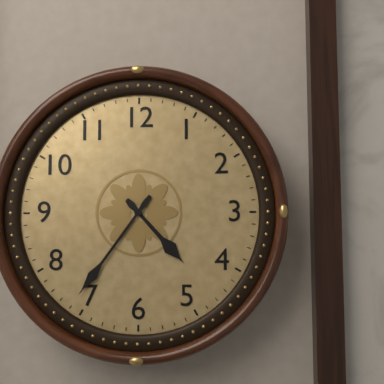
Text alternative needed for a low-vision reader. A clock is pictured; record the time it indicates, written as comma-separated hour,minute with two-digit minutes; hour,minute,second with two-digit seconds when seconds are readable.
4,36
